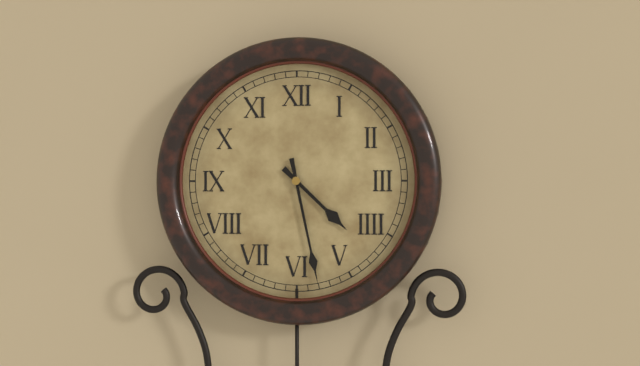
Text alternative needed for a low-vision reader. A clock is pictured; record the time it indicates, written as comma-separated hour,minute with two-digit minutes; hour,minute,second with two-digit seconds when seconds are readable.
4,28
